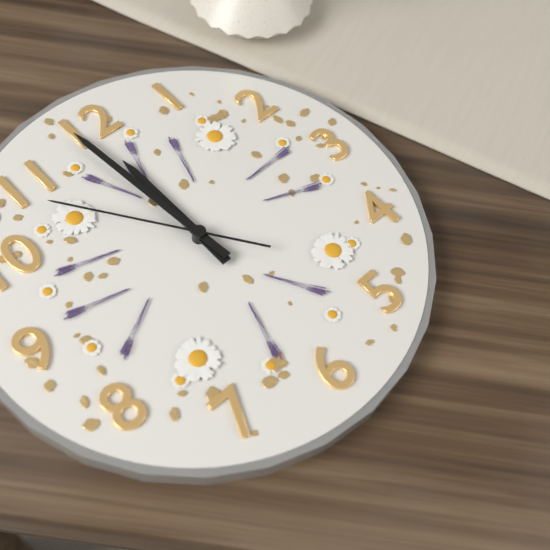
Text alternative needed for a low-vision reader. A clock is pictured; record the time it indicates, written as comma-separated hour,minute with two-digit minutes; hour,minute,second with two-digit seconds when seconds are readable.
11,59,54
